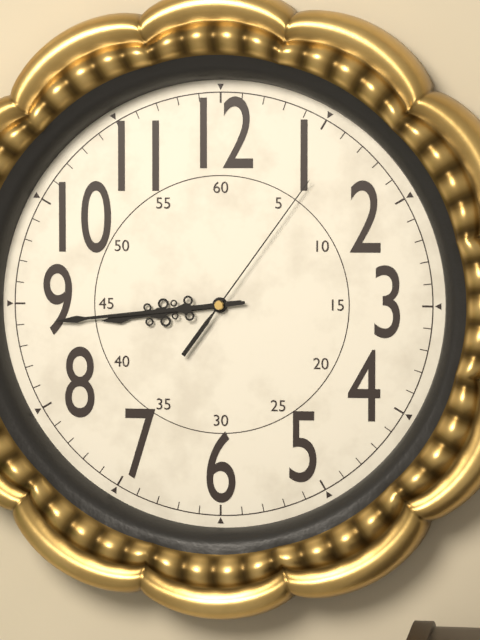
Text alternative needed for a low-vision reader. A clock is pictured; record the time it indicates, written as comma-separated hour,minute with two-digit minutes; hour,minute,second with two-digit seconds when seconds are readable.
8,44,06
